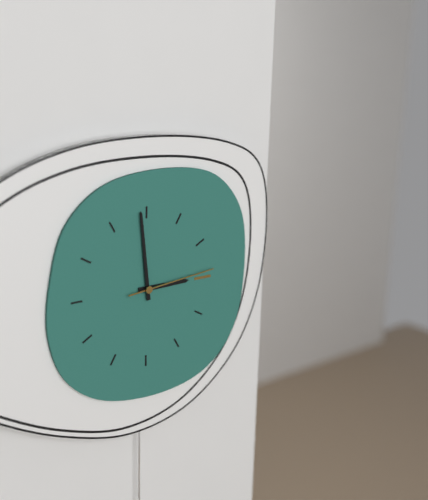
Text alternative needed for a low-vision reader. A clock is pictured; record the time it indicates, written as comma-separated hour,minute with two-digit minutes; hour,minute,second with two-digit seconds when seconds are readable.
2,59,14
